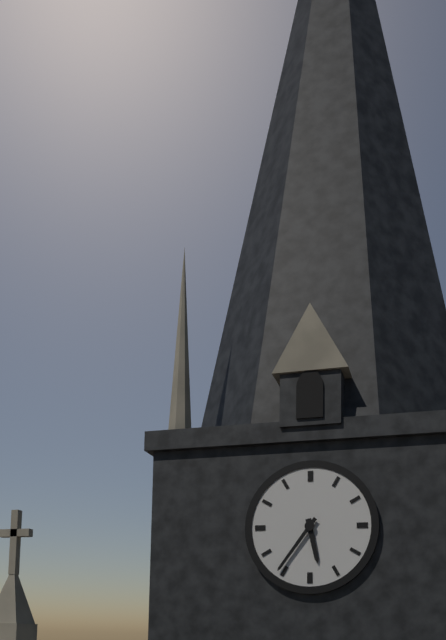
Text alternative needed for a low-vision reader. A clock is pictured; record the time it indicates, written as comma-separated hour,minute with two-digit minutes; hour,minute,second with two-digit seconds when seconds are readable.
5,36
